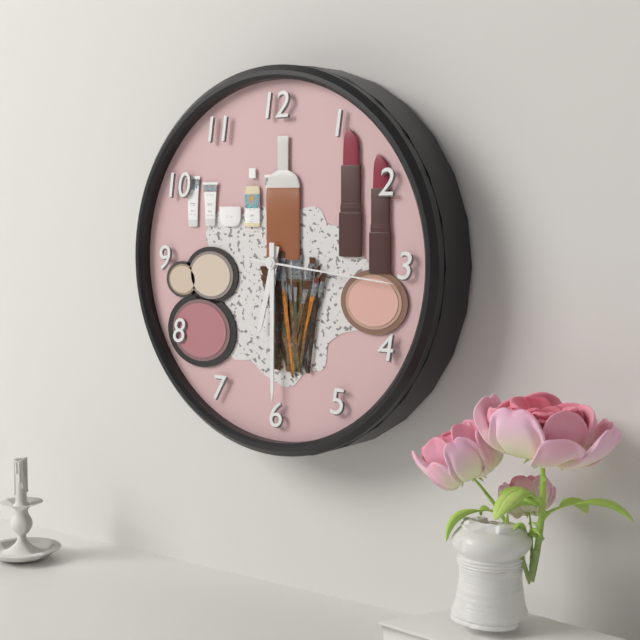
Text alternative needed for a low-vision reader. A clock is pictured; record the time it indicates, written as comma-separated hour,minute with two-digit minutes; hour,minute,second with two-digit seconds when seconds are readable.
6,30,16
